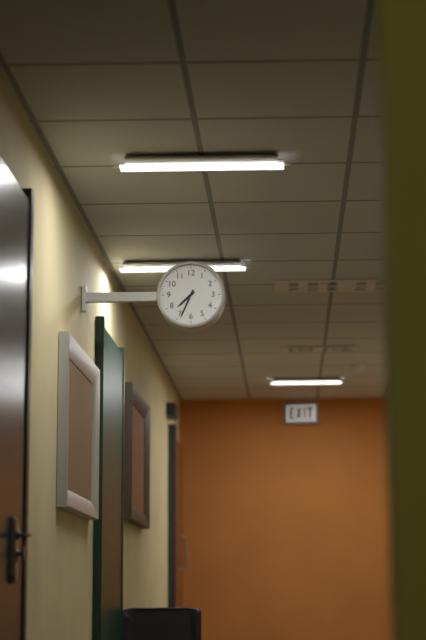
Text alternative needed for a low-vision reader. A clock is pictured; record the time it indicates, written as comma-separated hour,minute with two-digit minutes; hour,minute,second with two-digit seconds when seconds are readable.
7,34
